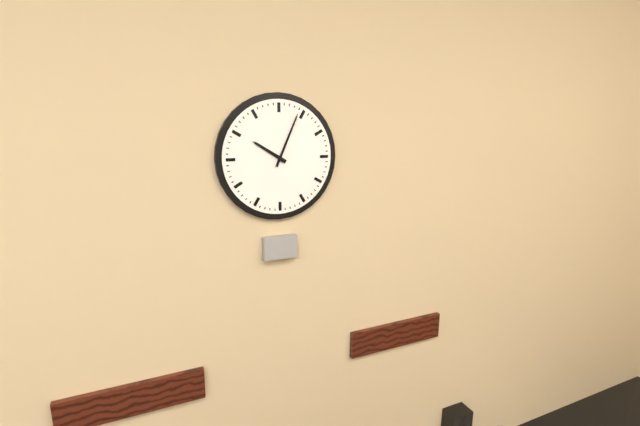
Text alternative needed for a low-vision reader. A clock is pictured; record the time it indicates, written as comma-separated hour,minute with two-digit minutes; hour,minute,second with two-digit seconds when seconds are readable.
10,04
